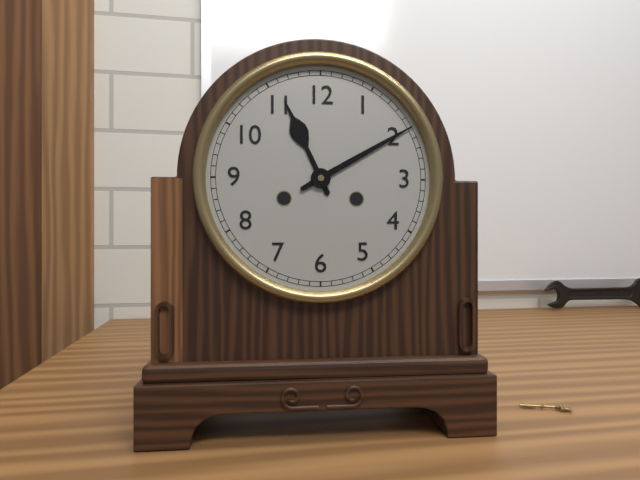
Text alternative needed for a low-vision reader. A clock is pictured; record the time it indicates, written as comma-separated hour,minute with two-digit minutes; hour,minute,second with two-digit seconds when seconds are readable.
11,10
